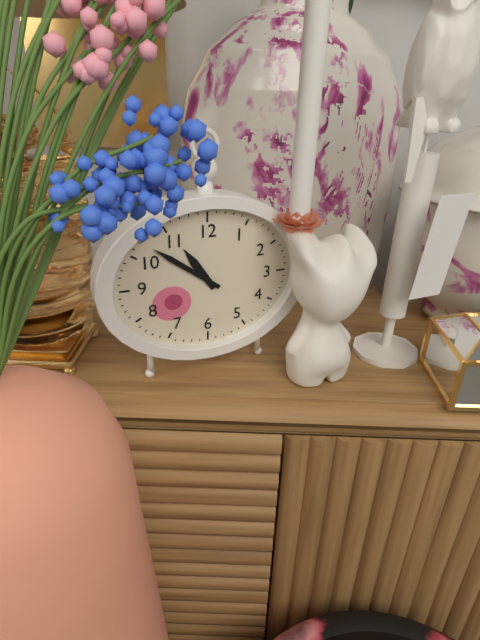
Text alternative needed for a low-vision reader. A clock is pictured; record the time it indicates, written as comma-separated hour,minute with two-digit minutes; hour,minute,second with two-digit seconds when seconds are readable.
10,51
